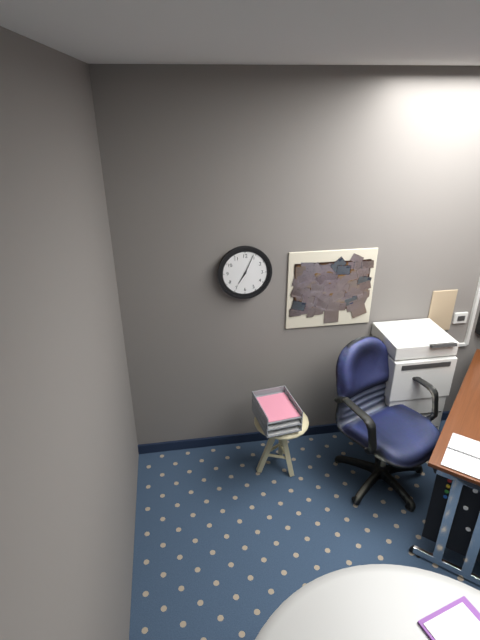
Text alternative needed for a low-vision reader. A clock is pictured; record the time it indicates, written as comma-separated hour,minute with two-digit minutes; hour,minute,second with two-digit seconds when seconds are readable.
7,04
